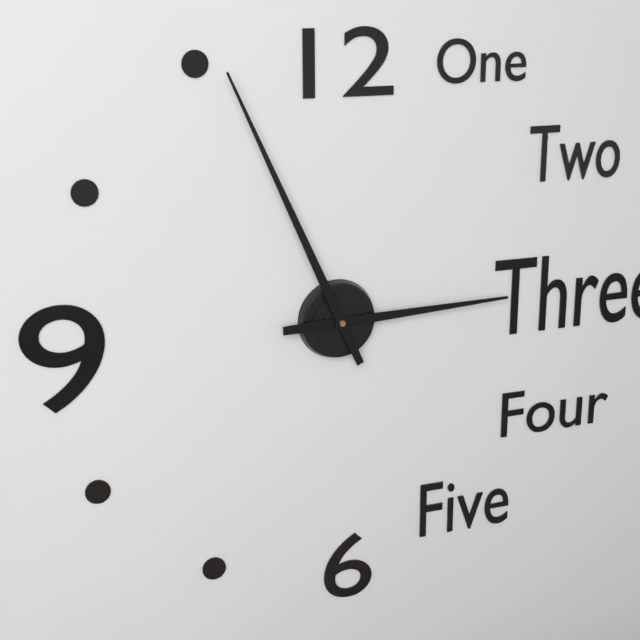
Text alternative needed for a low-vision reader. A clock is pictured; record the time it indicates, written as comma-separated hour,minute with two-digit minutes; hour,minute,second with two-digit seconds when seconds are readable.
2,56
